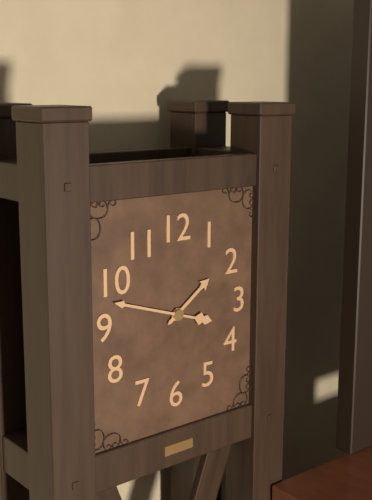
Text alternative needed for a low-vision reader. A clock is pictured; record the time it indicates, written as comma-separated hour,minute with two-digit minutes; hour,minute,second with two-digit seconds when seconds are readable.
1,48
